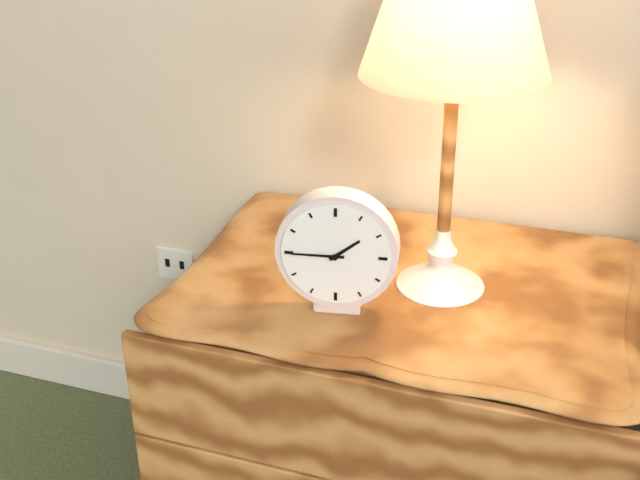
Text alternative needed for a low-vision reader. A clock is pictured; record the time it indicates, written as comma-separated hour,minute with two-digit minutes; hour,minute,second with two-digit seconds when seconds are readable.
1,45
